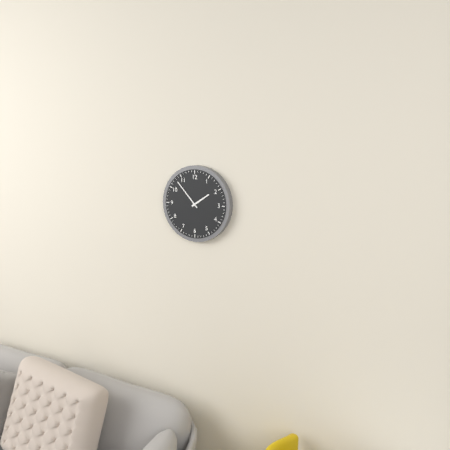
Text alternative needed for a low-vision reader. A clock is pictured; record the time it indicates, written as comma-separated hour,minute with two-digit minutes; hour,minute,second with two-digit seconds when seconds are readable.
1,53
